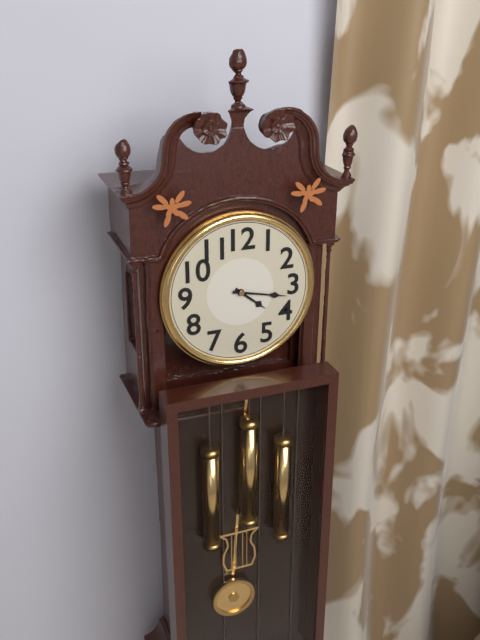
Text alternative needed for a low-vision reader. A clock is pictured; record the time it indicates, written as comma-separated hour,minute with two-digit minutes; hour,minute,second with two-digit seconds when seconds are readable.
4,17
